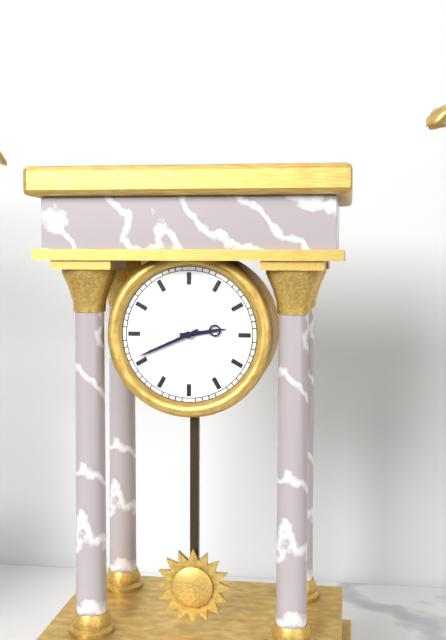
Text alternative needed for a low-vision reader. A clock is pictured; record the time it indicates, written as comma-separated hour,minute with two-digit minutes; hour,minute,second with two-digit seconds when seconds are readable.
2,41
